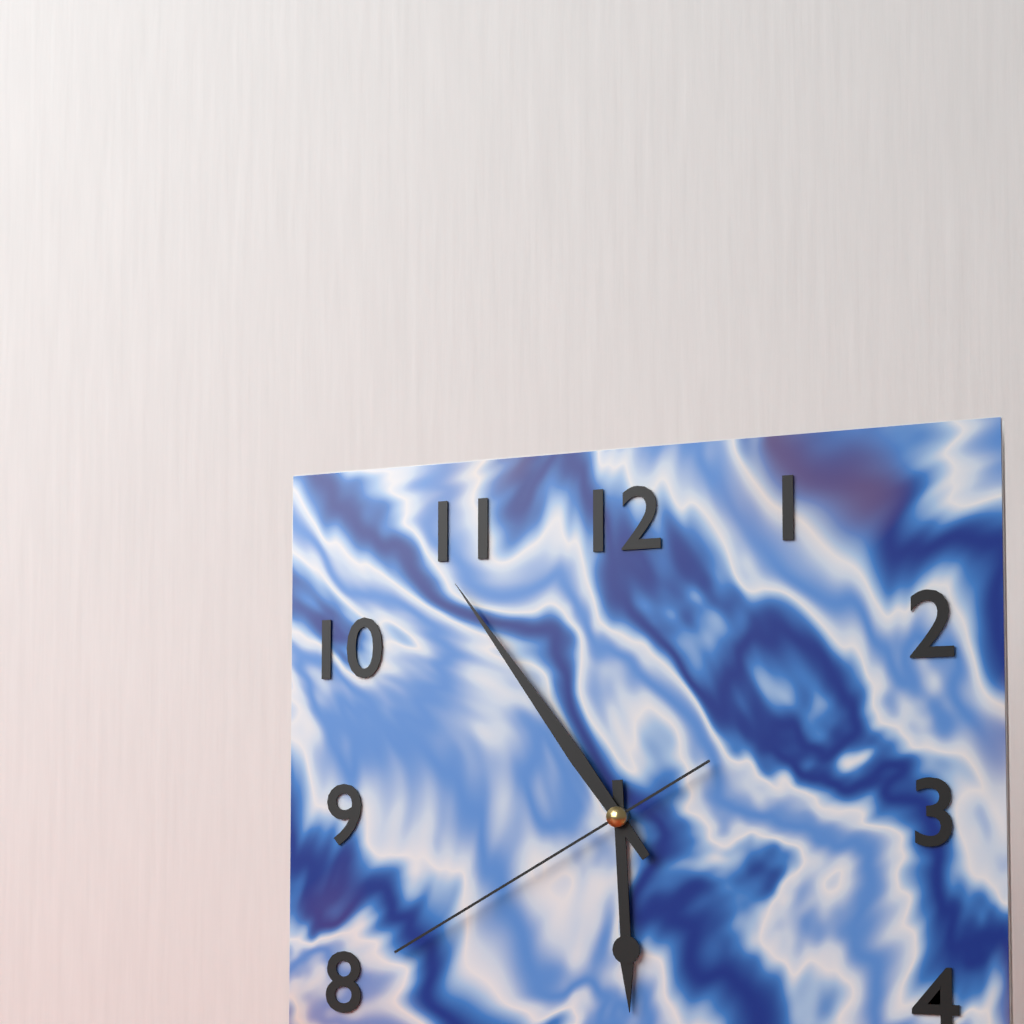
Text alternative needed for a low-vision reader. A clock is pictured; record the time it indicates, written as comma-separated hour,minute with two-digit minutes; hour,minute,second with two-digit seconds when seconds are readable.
5,54,40
